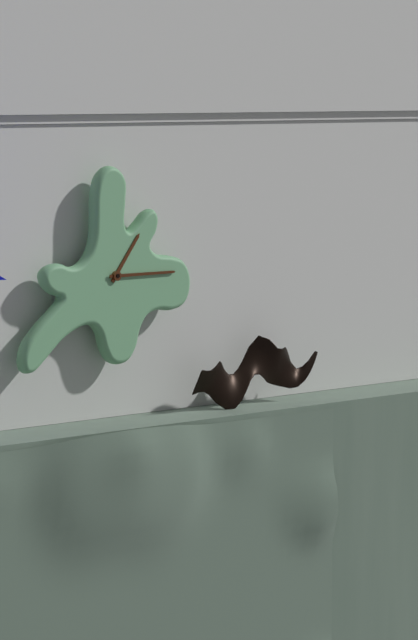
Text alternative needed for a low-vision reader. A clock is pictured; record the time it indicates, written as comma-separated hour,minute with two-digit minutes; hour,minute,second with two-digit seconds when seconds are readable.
1,15
